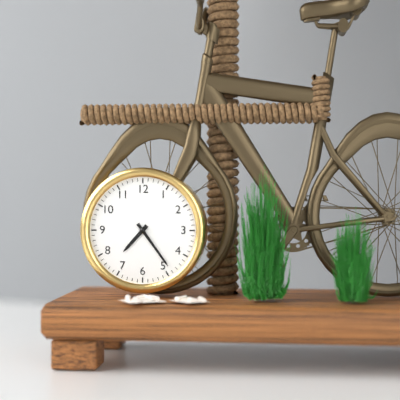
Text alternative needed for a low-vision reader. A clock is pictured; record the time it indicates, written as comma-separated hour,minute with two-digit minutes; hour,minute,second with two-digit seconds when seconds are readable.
7,24
